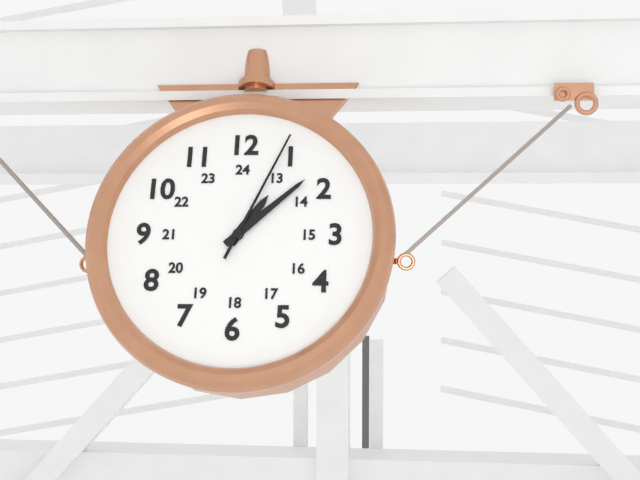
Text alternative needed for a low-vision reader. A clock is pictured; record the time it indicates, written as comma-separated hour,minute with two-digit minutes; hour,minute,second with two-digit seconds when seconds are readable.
1,08,04
